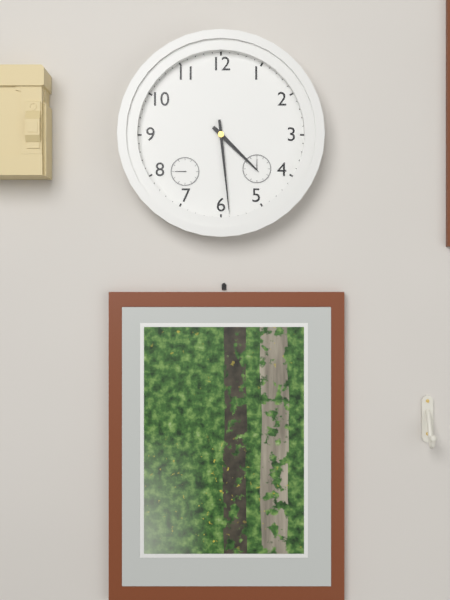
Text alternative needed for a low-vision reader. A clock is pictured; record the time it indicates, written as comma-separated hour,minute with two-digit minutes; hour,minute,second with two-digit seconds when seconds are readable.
4,29
